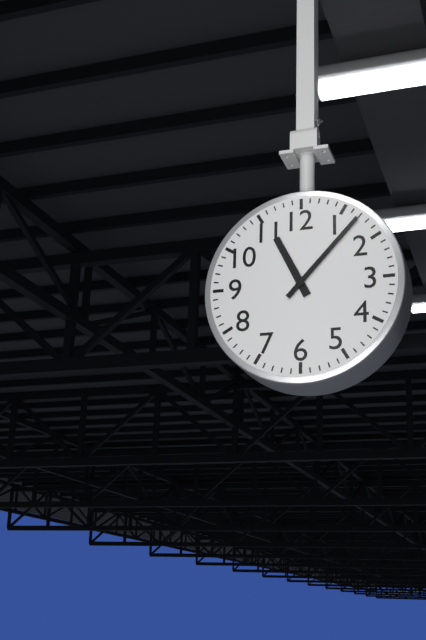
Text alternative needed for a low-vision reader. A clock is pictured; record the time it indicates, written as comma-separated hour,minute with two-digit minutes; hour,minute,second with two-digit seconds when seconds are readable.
11,07
